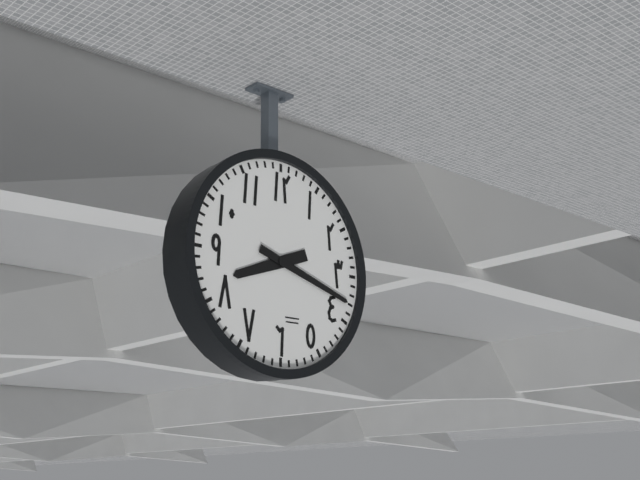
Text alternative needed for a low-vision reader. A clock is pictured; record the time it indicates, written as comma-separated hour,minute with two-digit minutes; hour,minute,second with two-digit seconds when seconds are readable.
8,18
